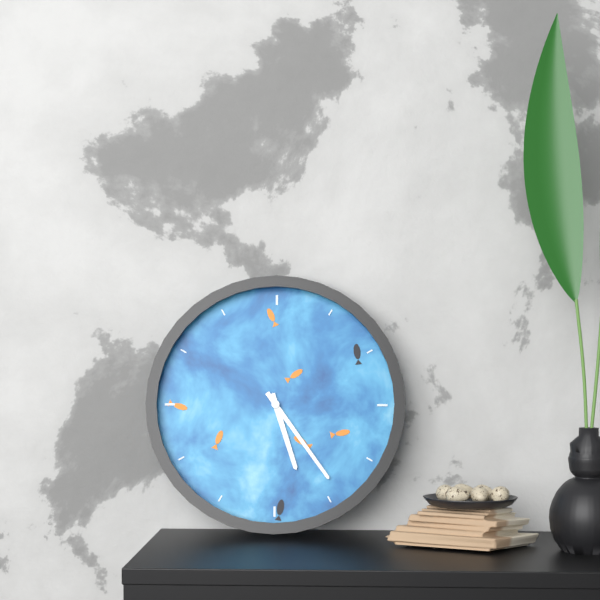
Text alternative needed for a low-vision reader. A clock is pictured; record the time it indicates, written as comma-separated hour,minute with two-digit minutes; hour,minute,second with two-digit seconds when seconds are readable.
5,24
